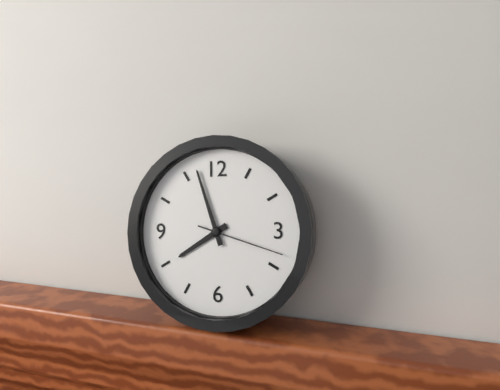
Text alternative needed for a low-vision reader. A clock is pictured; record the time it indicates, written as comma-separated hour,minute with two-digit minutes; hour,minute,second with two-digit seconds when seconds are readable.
7,57,18
